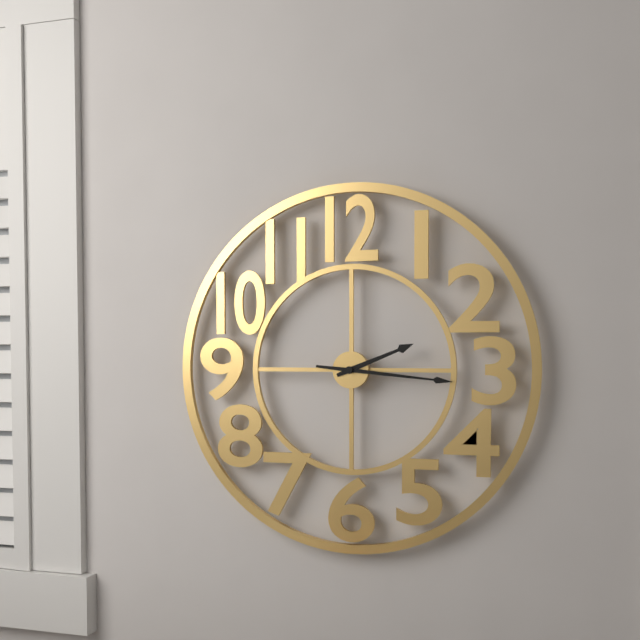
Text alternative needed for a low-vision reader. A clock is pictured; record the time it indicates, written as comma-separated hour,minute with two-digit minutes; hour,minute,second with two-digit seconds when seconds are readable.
2,16
